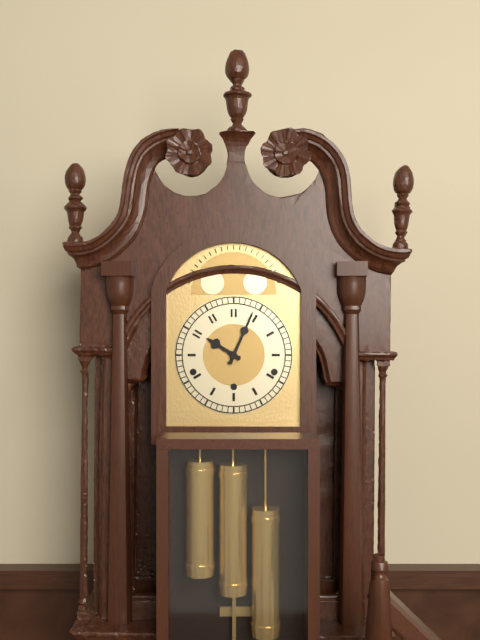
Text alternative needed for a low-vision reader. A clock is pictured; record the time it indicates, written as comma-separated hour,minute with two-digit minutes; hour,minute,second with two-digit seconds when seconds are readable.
10,04
